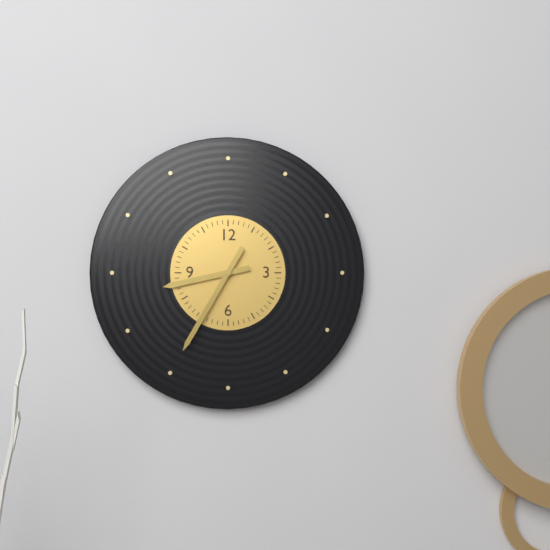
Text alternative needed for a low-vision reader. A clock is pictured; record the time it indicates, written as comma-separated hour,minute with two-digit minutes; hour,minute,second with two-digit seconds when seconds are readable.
8,35
